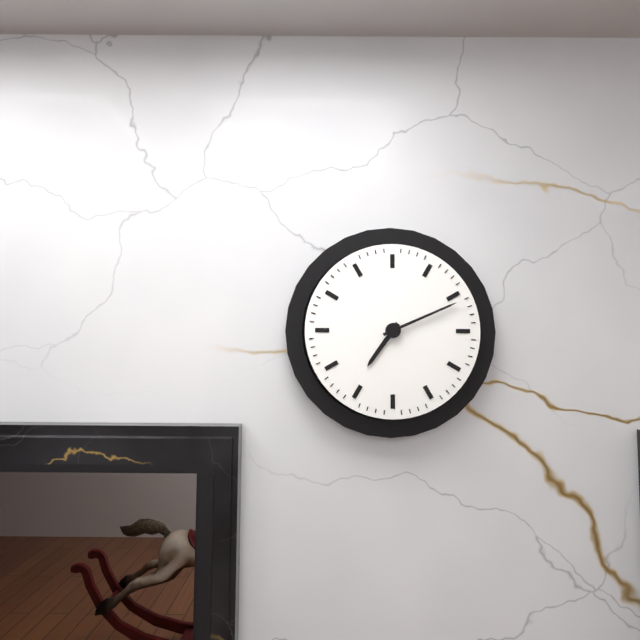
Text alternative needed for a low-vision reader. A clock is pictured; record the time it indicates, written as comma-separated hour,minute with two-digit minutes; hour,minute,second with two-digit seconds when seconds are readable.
7,11
